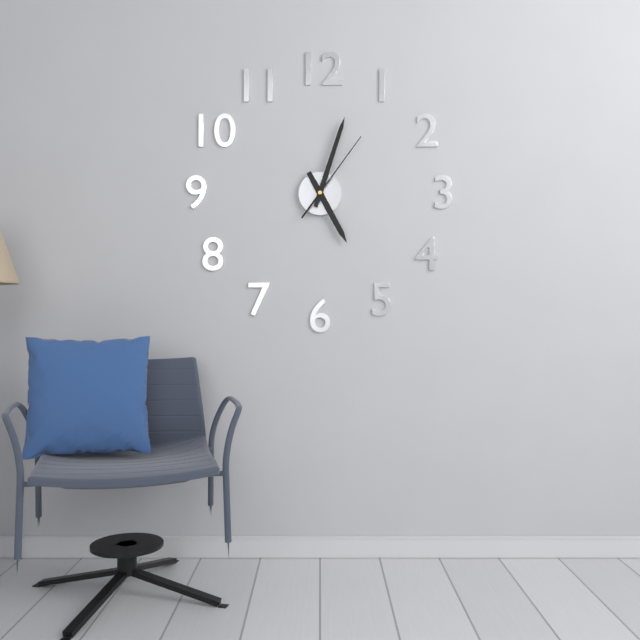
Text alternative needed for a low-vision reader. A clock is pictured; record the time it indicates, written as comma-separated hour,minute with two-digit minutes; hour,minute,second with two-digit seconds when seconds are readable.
5,03,06
